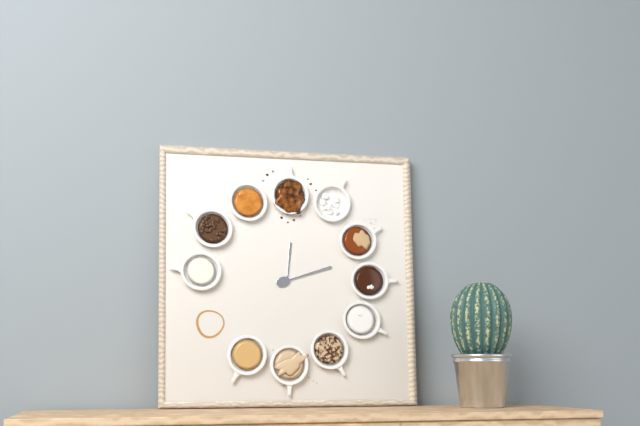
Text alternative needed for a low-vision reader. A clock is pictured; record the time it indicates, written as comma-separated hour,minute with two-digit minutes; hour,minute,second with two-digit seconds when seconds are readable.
12,12
